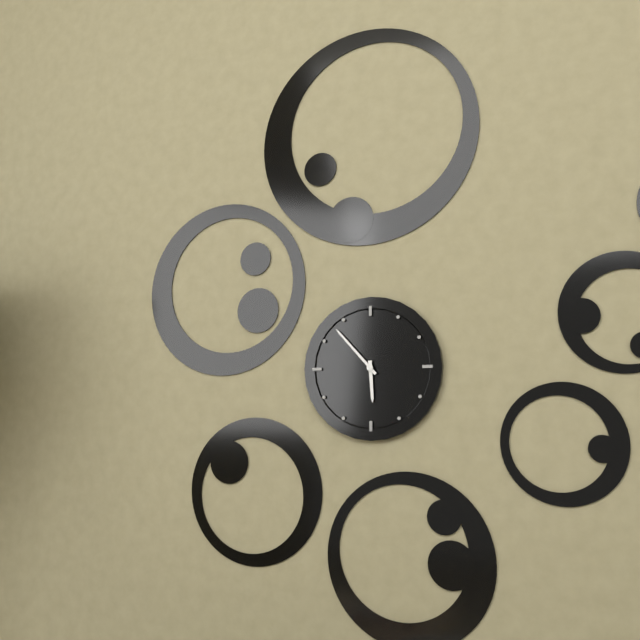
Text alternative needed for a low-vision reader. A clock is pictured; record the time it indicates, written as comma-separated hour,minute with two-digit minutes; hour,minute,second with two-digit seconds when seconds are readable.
5,53
